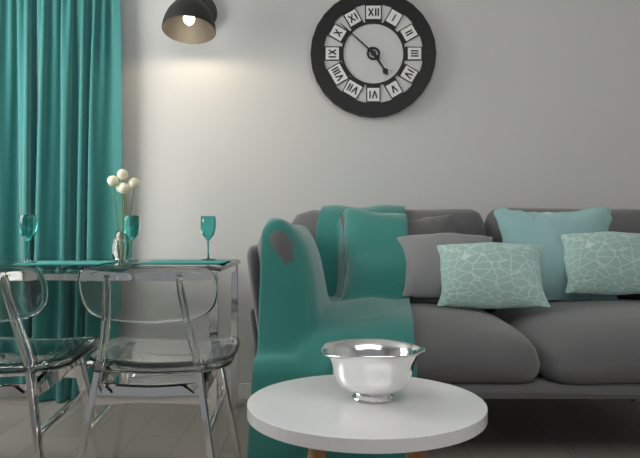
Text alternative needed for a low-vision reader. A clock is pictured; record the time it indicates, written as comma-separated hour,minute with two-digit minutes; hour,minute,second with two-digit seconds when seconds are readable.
4,52
